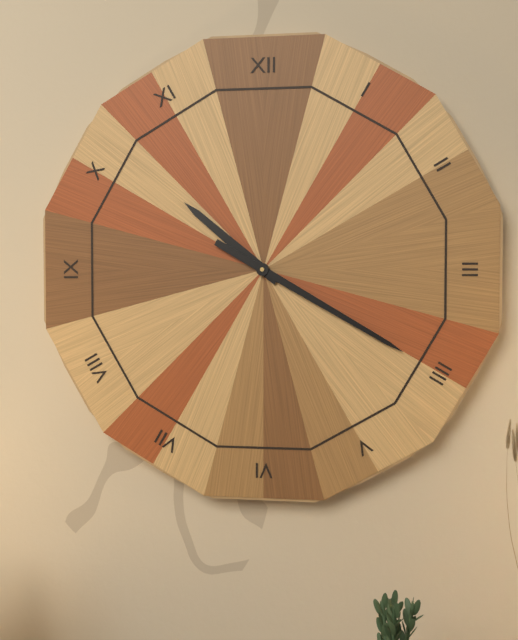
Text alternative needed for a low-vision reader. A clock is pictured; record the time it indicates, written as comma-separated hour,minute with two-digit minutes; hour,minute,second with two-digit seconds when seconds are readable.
10,20
